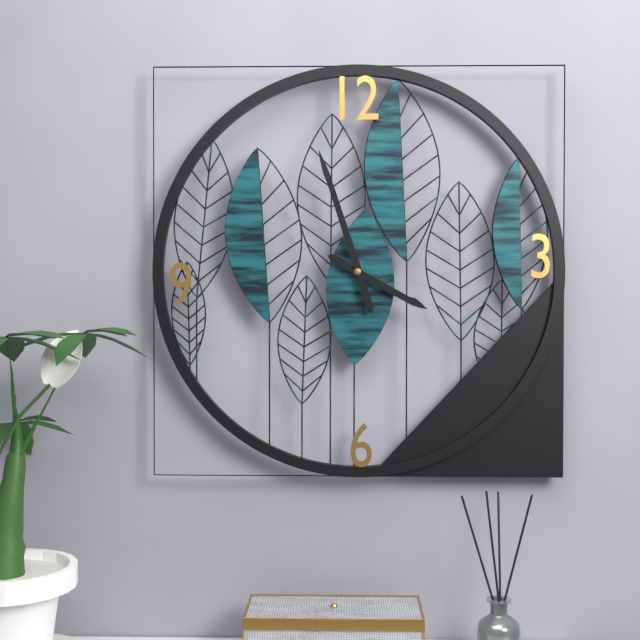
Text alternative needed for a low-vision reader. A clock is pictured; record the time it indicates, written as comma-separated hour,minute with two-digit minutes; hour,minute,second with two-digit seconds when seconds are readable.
3,57
